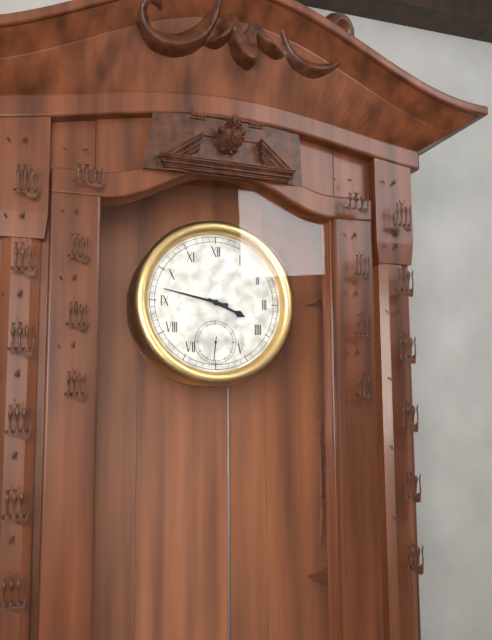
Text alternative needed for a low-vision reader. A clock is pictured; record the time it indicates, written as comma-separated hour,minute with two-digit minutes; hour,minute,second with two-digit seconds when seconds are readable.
3,47
